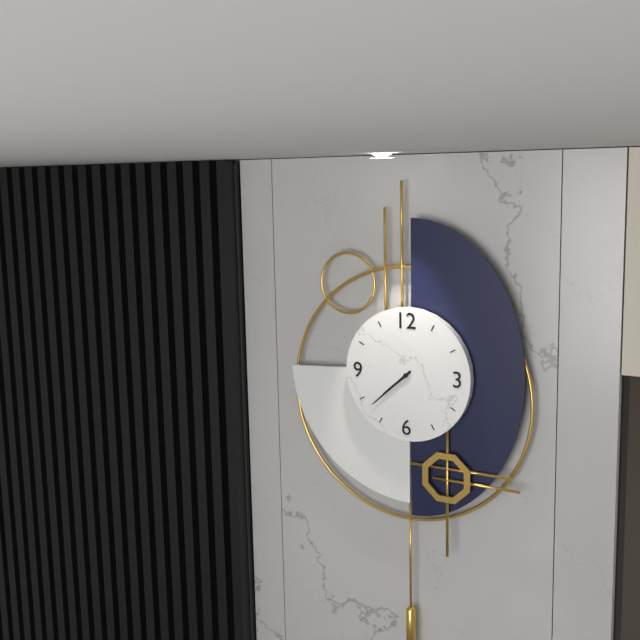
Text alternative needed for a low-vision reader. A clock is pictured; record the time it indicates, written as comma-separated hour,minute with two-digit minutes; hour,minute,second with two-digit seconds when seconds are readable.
7,38
